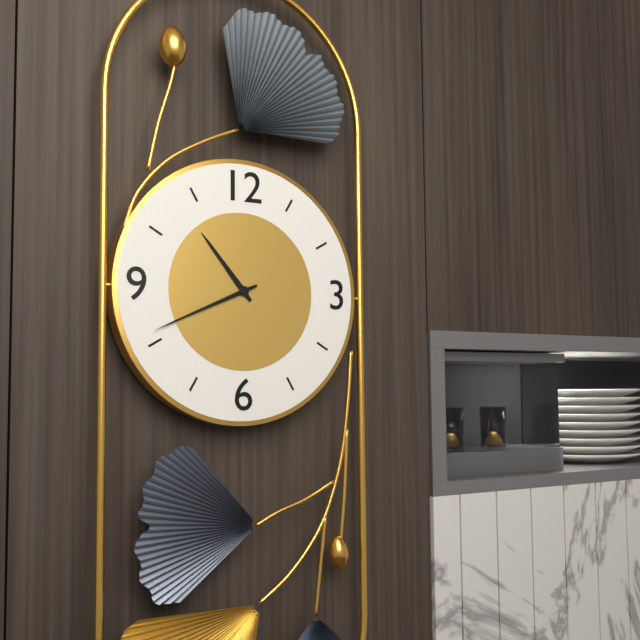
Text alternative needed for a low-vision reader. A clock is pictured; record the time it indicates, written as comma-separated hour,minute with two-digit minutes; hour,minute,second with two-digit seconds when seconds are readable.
10,41
